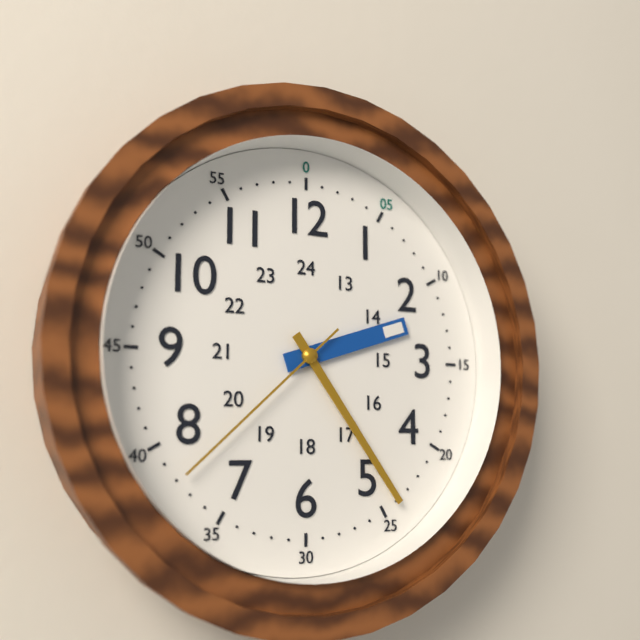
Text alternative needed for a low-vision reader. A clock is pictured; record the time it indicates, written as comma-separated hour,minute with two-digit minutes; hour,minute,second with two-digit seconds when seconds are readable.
2,24,38
